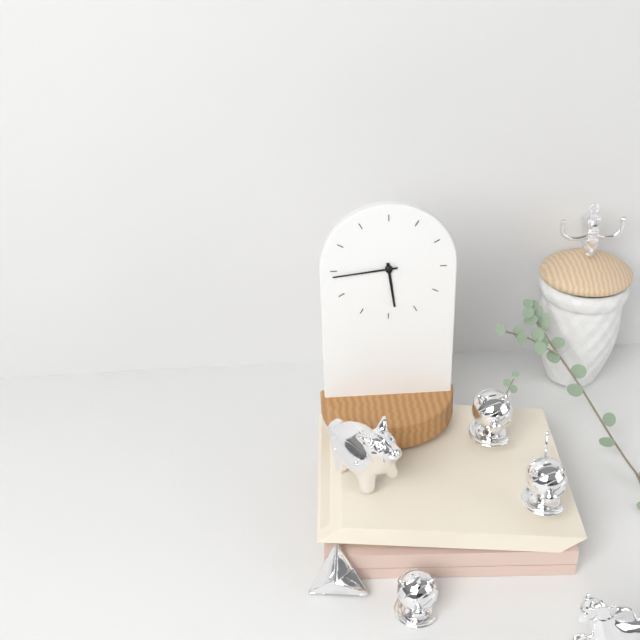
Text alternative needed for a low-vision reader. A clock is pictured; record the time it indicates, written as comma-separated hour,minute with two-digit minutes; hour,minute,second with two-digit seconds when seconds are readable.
5,44
